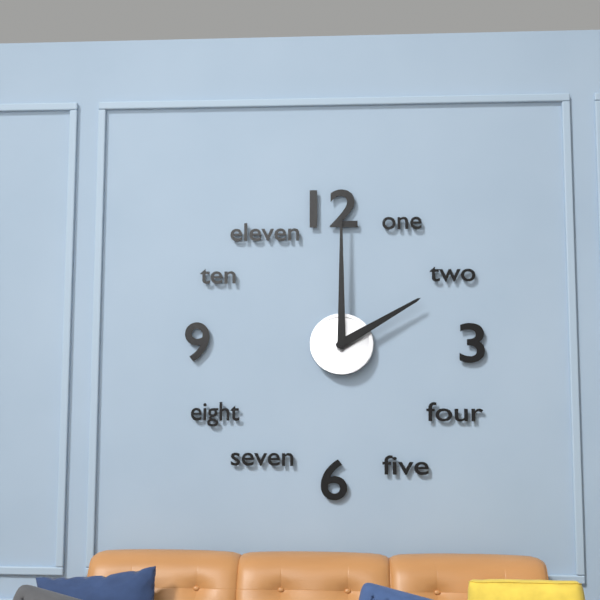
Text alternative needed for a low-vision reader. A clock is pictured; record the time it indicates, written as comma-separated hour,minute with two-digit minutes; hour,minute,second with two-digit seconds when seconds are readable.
2,00
